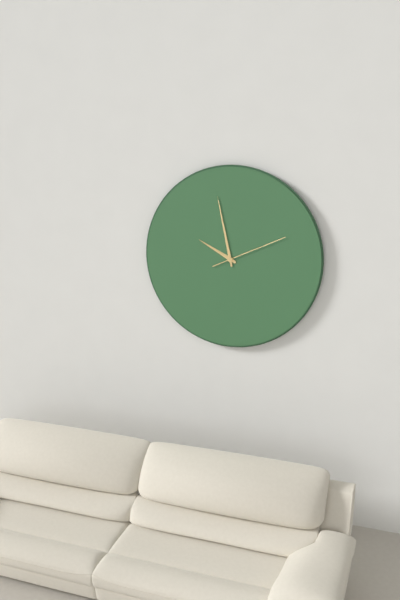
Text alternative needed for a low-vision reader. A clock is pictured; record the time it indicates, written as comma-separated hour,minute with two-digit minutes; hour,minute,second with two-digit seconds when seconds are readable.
9,58,11
